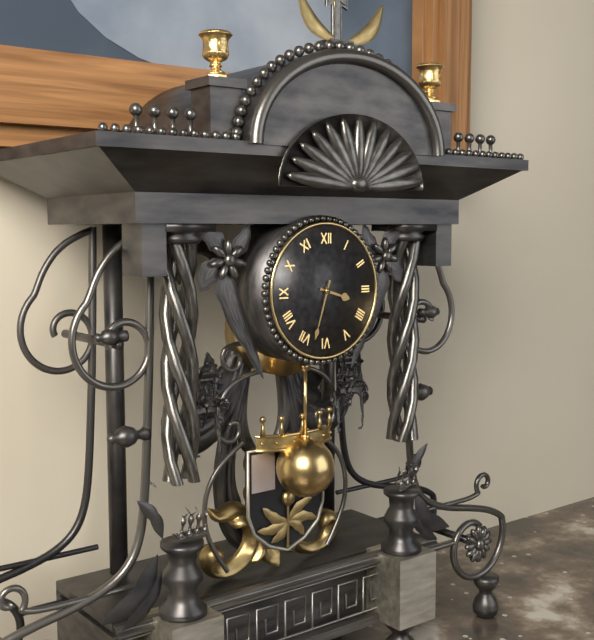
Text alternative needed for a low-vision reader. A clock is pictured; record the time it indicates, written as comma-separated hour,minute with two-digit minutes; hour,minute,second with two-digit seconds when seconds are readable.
3,33
